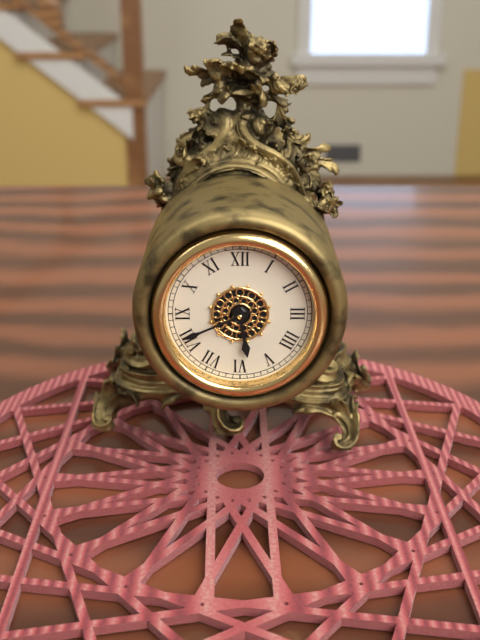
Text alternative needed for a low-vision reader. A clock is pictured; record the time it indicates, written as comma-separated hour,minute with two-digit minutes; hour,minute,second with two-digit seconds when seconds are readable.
5,41
